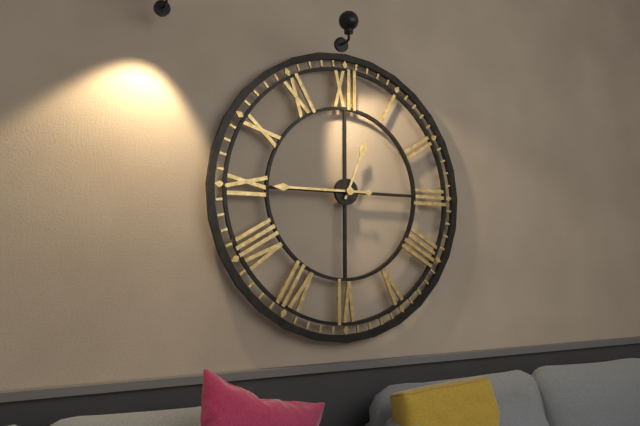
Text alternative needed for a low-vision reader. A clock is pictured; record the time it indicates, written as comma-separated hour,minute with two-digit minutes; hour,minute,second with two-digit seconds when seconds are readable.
12,45
